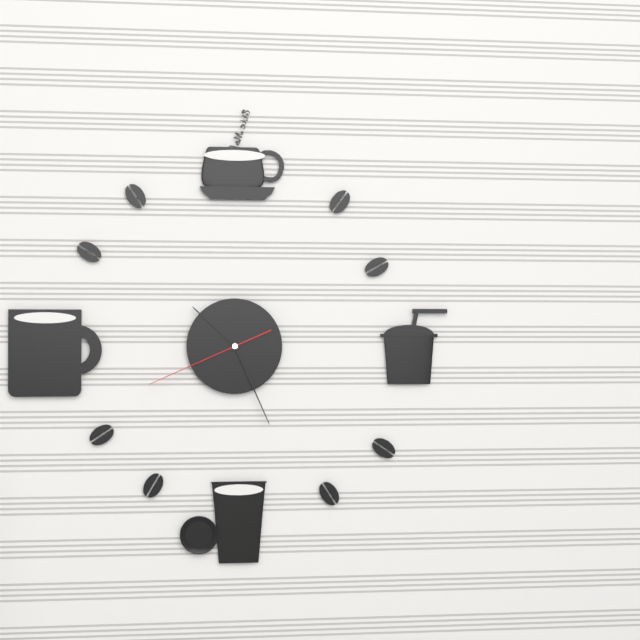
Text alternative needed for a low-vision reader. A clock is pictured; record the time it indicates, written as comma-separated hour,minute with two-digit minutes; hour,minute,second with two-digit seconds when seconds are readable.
10,26,41
